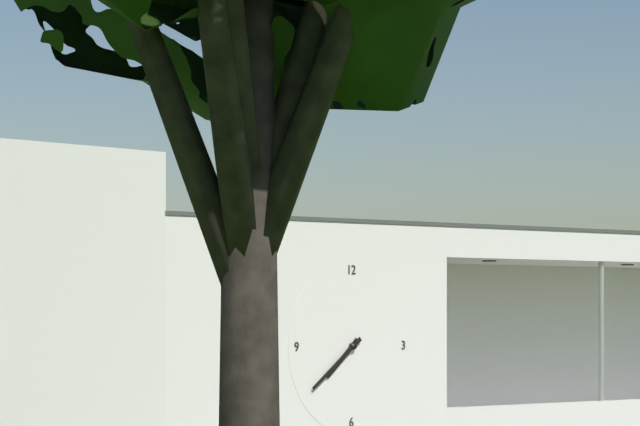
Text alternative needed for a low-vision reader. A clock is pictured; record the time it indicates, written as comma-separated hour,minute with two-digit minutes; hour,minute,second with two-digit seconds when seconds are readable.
7,39
